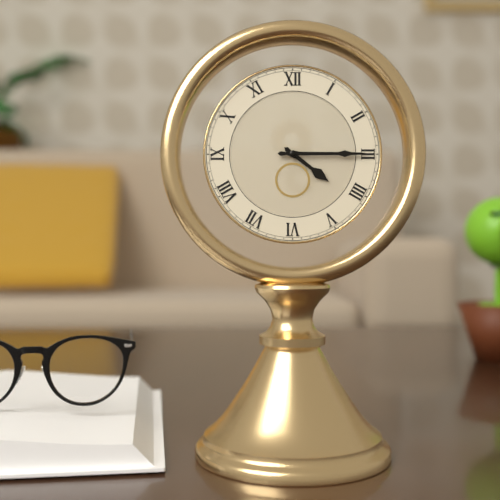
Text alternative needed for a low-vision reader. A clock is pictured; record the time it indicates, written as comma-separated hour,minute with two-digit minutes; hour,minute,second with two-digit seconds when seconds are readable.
4,15
